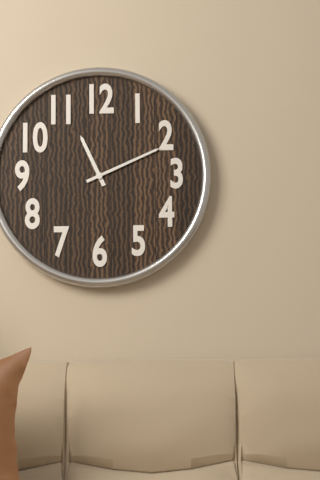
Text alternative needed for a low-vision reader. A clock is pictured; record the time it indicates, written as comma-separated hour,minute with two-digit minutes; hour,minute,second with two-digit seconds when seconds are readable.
11,11
